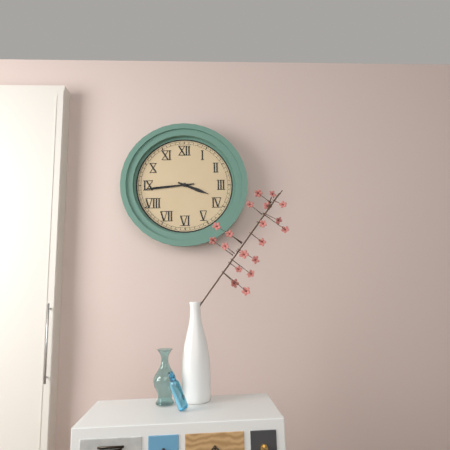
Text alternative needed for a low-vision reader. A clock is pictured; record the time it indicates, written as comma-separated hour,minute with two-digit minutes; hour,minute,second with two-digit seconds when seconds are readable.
3,44
